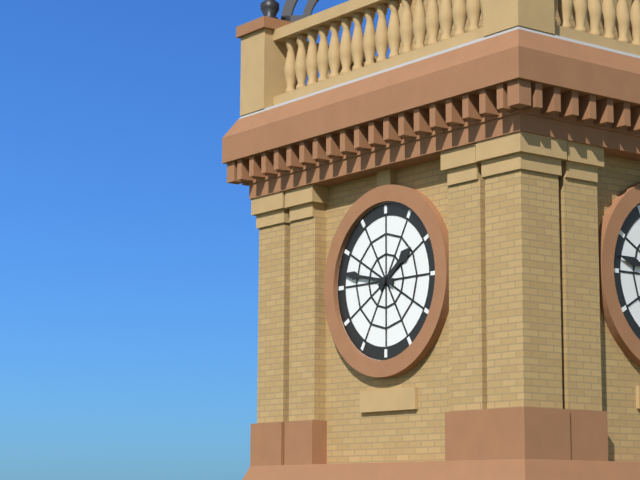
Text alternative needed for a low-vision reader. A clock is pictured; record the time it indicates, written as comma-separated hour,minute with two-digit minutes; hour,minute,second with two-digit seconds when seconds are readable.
1,47
